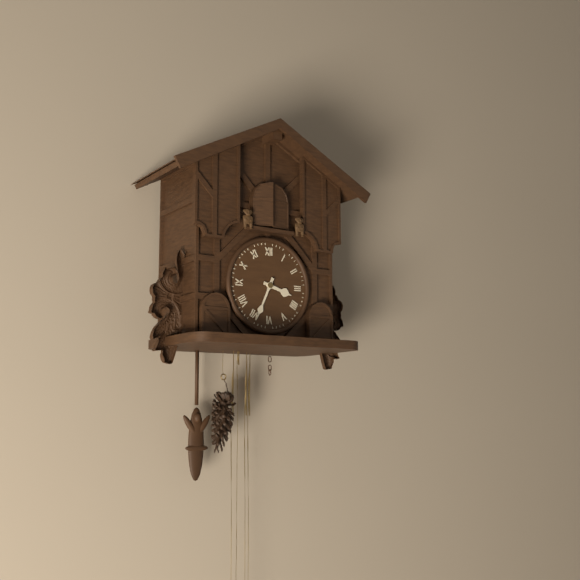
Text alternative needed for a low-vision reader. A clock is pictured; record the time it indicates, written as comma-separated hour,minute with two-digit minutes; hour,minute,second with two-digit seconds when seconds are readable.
3,34
